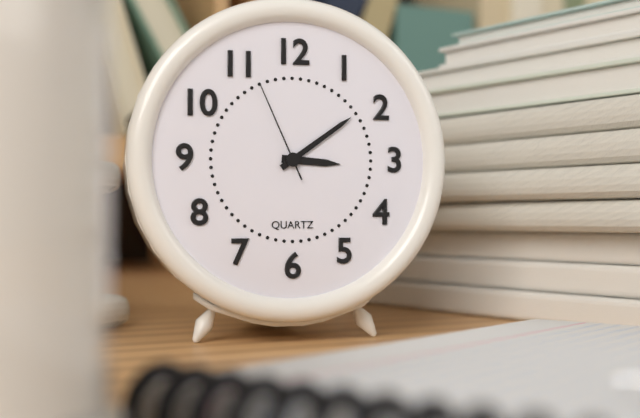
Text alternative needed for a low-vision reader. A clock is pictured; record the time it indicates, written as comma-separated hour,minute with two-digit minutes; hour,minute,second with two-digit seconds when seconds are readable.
3,09,56
